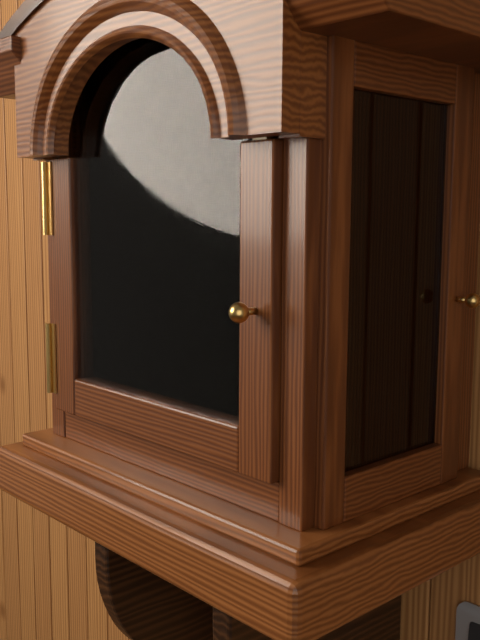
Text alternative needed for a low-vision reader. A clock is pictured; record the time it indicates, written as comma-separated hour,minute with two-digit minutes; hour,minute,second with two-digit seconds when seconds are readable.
5,00
